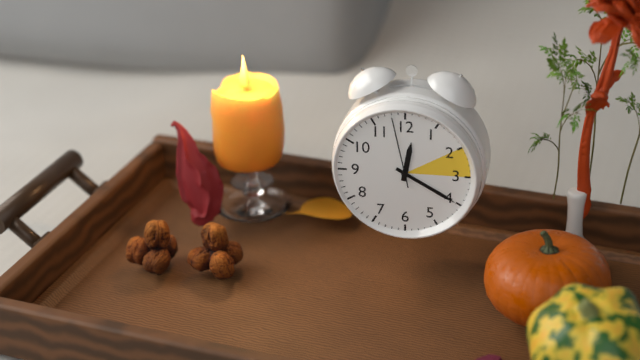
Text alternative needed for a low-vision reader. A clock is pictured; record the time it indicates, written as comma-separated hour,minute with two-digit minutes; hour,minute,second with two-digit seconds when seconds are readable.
12,20,58
